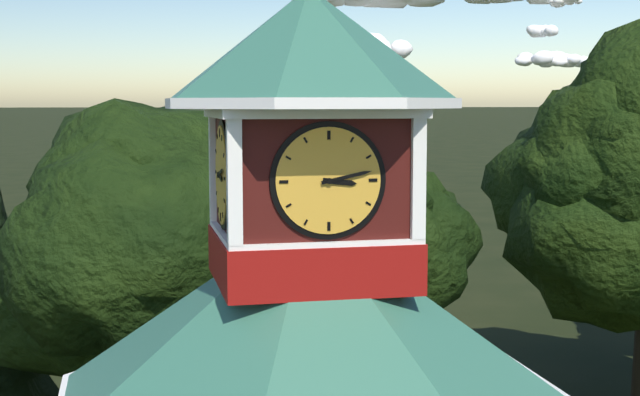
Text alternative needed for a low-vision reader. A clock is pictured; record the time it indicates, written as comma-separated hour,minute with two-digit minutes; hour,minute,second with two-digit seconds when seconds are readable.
3,13
